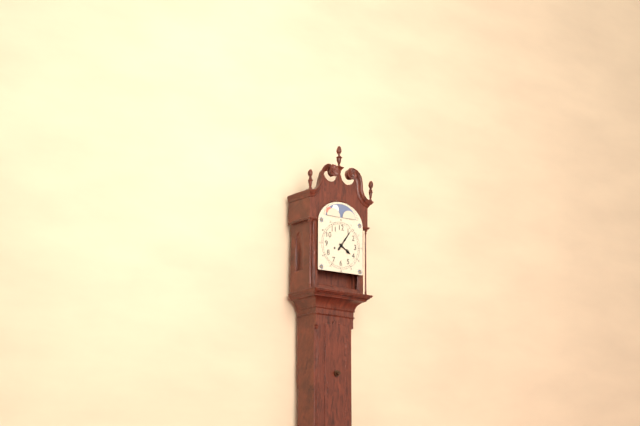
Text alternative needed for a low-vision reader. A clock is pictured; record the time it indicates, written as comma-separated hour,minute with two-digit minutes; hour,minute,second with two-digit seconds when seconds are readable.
4,06
